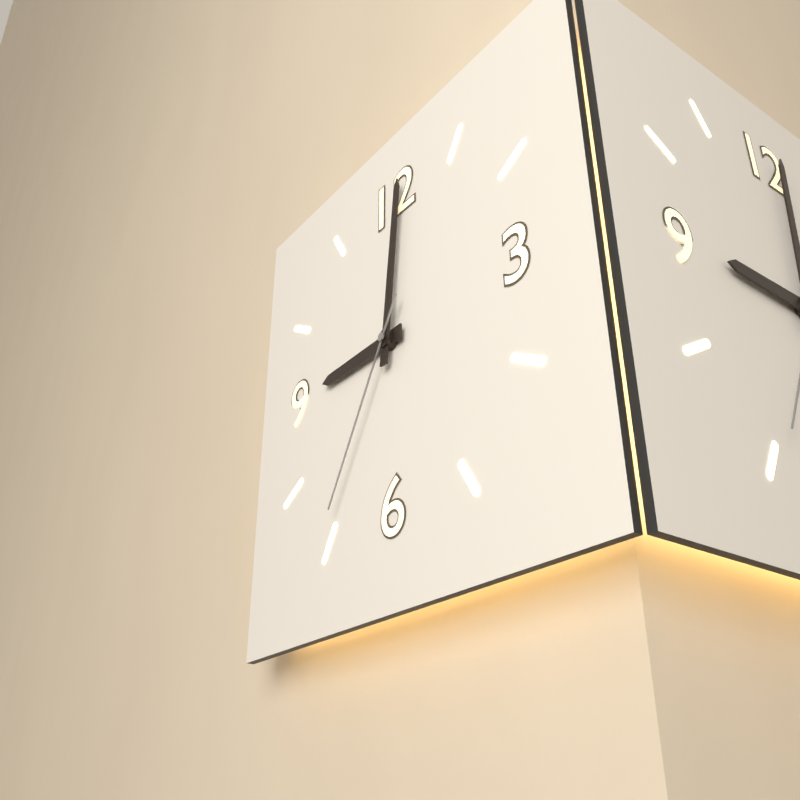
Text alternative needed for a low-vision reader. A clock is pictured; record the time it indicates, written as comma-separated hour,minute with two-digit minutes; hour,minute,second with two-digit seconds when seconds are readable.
9,01,35
